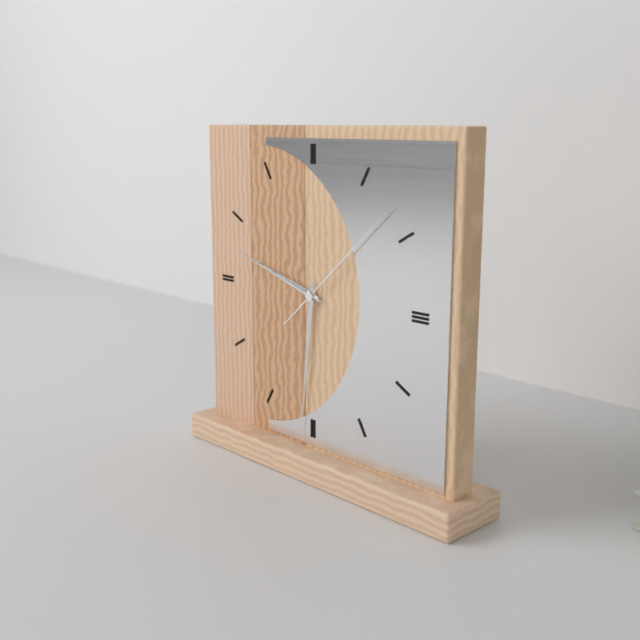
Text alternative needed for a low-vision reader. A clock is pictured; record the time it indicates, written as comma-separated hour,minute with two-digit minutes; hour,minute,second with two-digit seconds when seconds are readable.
9,31,08
